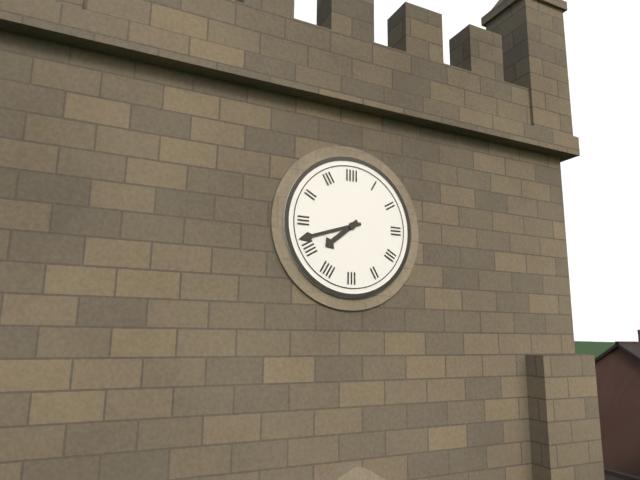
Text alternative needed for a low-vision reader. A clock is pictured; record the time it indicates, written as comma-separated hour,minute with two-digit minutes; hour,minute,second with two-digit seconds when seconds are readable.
7,42
